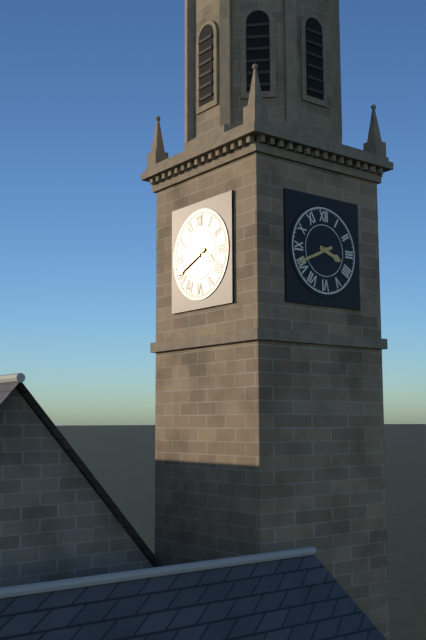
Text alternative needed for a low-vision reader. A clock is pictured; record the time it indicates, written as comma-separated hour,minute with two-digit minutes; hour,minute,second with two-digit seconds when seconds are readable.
3,41
